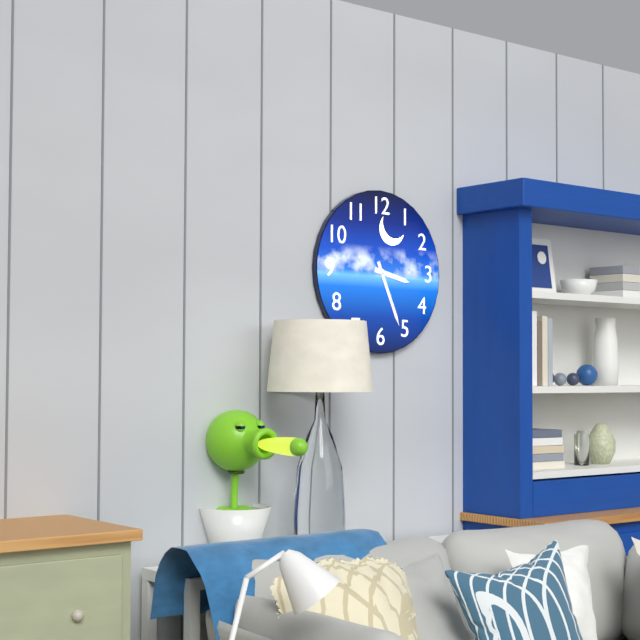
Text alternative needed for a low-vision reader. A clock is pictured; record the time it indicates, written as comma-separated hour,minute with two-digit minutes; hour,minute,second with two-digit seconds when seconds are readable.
3,26
